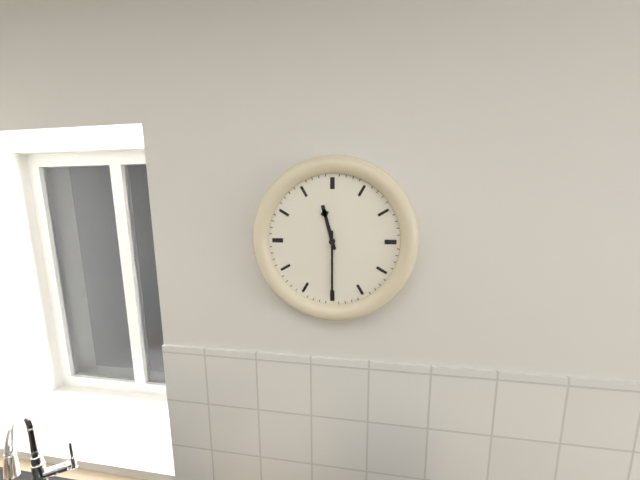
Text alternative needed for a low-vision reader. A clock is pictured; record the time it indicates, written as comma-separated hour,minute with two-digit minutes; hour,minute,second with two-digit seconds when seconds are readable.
11,30
